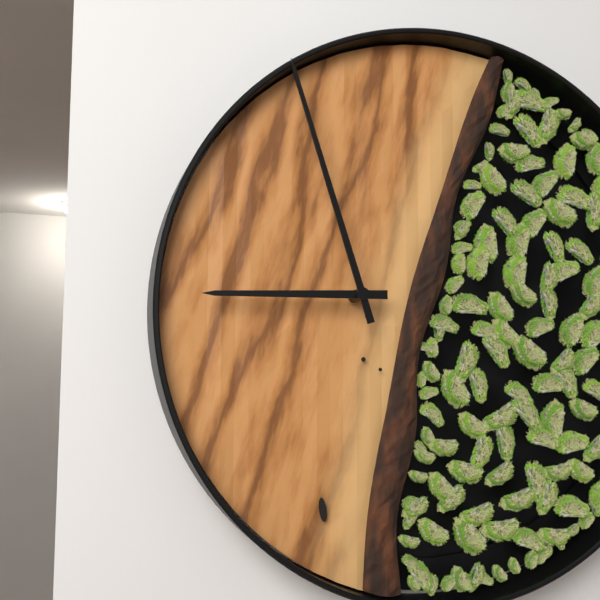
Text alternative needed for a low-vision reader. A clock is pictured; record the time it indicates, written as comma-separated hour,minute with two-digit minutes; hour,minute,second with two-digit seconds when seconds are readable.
8,57
